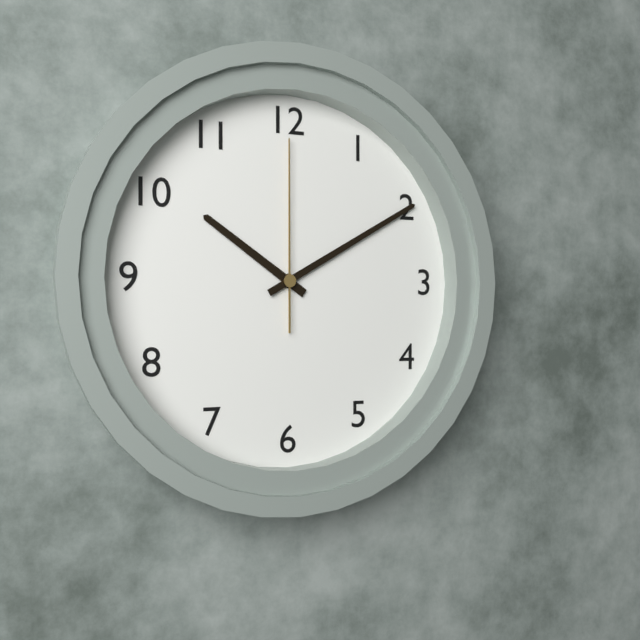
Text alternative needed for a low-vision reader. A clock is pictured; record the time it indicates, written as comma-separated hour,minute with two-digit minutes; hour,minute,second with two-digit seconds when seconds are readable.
10,10,00
